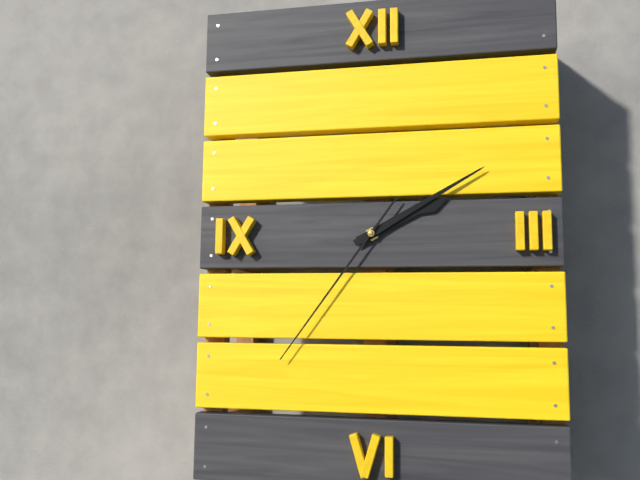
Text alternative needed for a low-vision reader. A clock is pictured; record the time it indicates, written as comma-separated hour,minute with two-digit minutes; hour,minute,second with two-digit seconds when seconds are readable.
2,10,36
